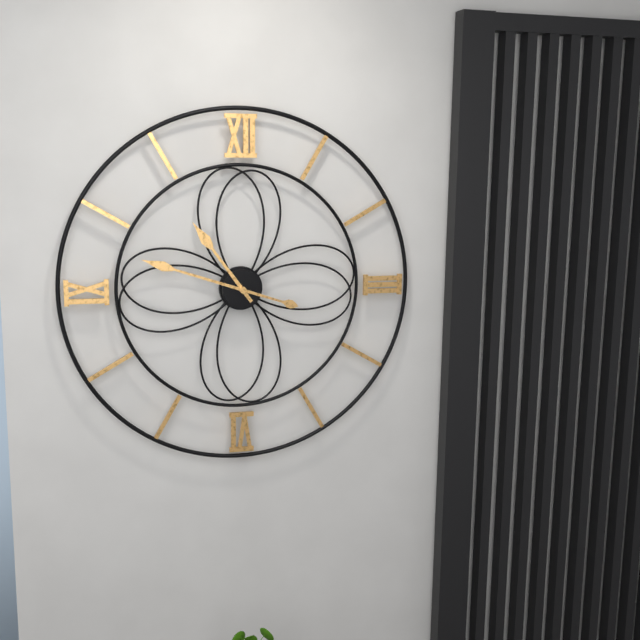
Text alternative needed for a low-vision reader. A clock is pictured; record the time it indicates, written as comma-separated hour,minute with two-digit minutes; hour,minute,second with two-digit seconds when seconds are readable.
10,48
